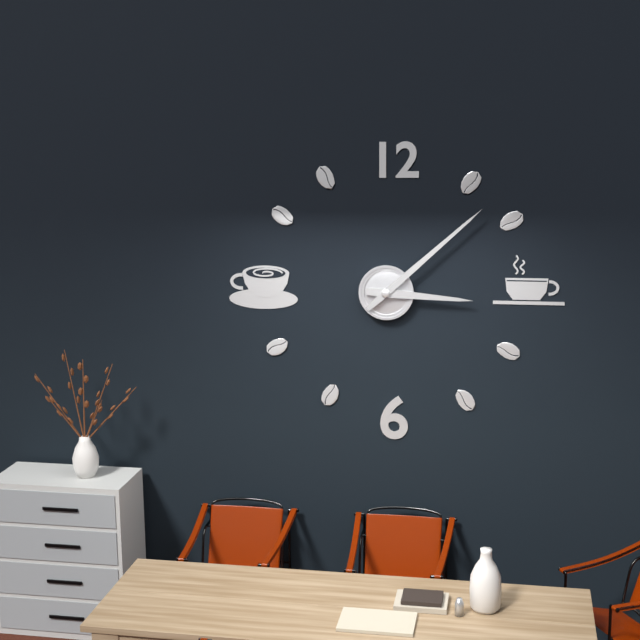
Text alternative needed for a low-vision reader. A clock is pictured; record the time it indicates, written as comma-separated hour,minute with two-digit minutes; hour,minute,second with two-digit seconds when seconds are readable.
3,08
